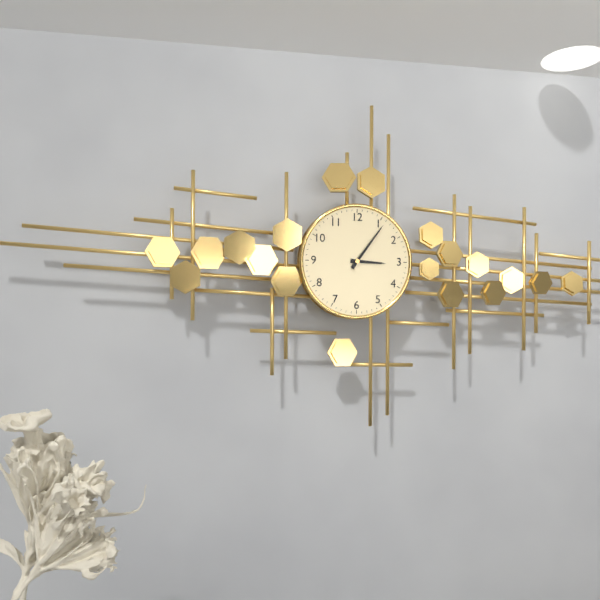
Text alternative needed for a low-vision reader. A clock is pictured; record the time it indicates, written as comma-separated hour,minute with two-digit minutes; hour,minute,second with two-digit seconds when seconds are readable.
3,06
